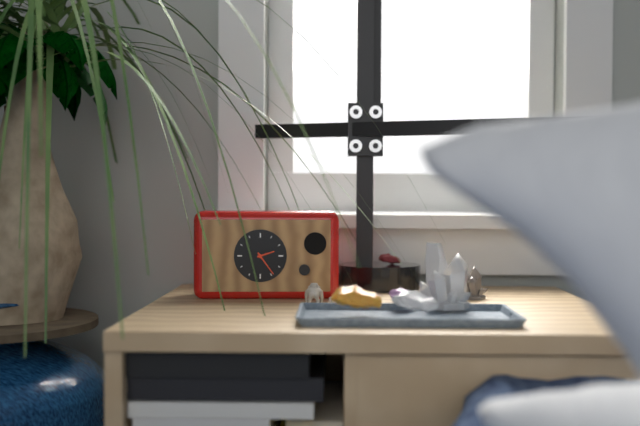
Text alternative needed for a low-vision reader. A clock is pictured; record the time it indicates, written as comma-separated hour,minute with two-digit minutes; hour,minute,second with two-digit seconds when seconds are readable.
2,24
